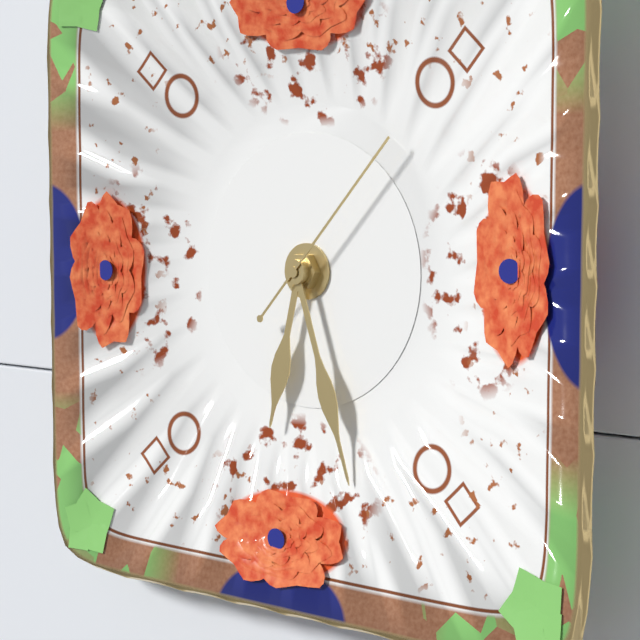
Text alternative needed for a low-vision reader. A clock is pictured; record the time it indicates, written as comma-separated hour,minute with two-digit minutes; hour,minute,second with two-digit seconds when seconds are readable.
6,27,07
